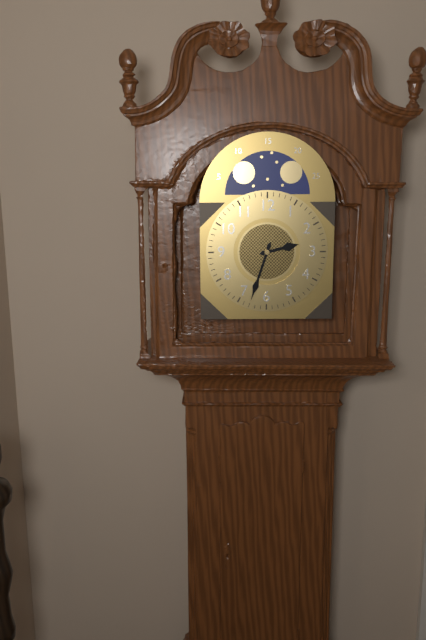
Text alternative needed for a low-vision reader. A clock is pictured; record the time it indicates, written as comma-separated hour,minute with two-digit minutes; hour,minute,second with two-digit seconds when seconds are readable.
2,33
